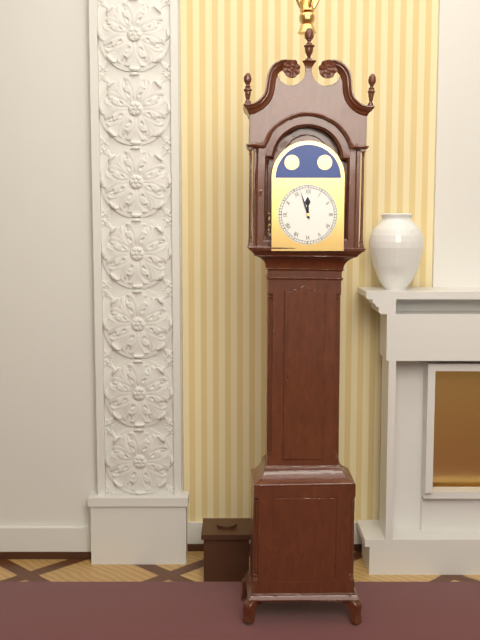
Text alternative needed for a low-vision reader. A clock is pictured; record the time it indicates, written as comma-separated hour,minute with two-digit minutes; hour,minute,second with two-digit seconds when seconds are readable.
11,57
